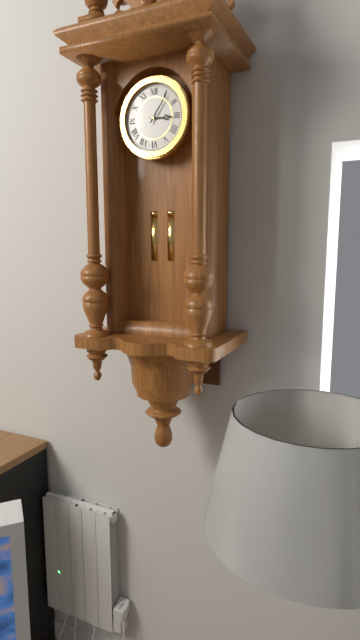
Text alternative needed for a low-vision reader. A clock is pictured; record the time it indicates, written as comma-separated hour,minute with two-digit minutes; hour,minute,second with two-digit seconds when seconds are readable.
3,06
